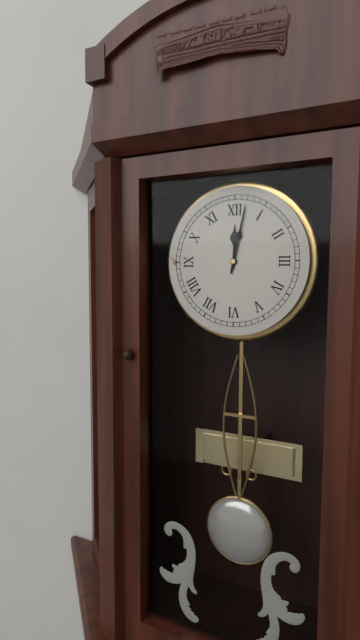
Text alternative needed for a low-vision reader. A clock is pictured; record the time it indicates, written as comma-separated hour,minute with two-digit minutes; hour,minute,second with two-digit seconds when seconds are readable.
12,02
